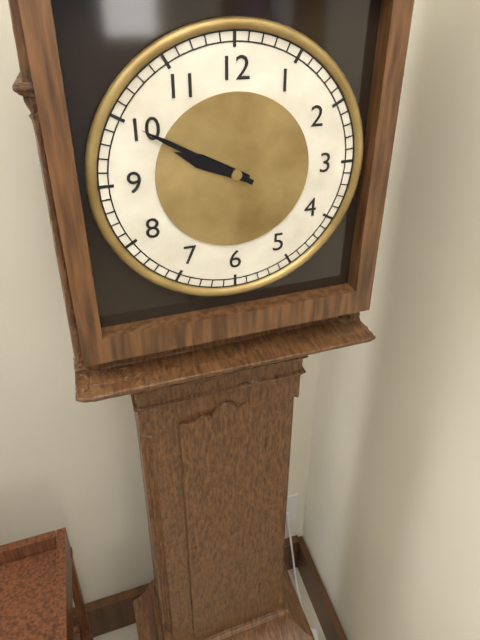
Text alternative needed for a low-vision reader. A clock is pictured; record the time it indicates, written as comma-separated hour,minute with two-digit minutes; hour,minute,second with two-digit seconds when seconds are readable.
9,50
